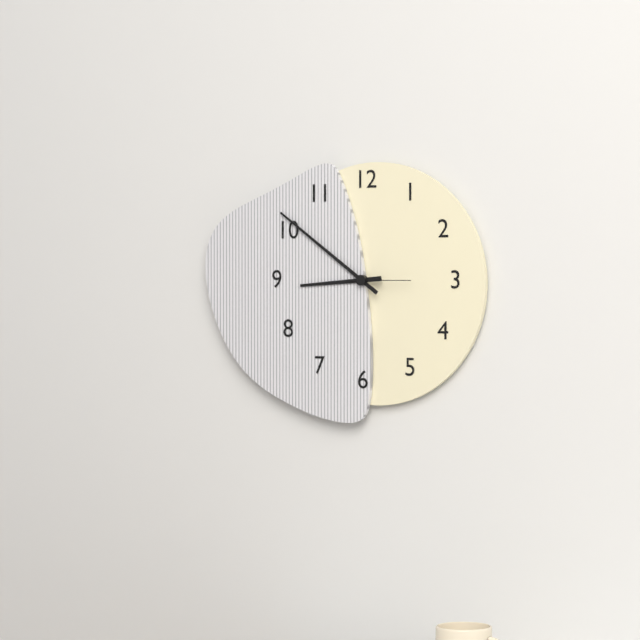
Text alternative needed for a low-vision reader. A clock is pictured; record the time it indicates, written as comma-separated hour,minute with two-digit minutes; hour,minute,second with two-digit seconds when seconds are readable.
8,51,15
